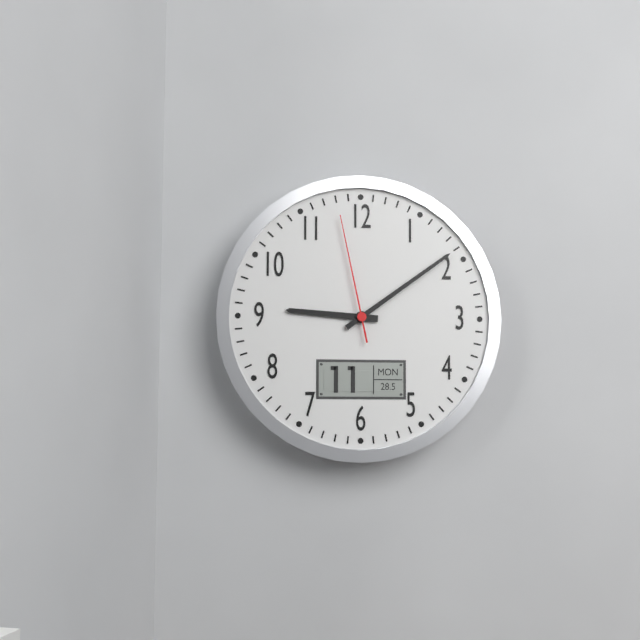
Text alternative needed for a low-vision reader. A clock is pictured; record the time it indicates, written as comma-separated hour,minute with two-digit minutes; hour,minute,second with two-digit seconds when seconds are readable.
9,09,58
